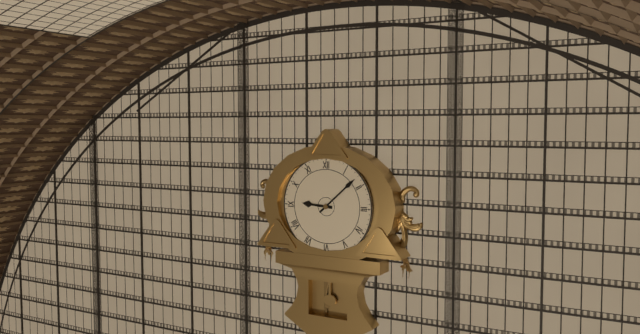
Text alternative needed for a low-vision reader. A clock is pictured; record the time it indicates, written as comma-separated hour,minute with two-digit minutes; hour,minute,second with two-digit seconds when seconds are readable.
9,08
